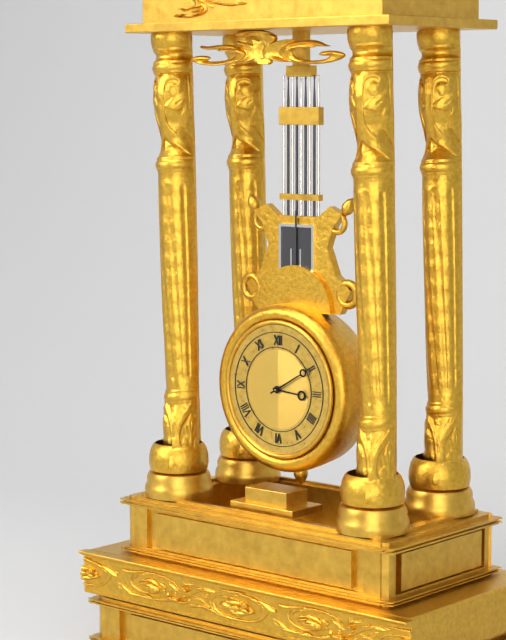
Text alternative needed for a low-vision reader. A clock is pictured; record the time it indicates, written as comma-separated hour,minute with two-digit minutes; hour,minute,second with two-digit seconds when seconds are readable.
3,10
